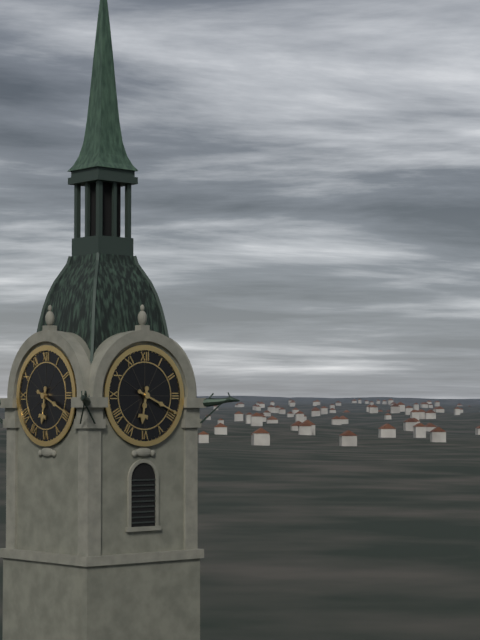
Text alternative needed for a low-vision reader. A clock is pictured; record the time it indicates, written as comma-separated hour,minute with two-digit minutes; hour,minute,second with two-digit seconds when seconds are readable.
6,19
